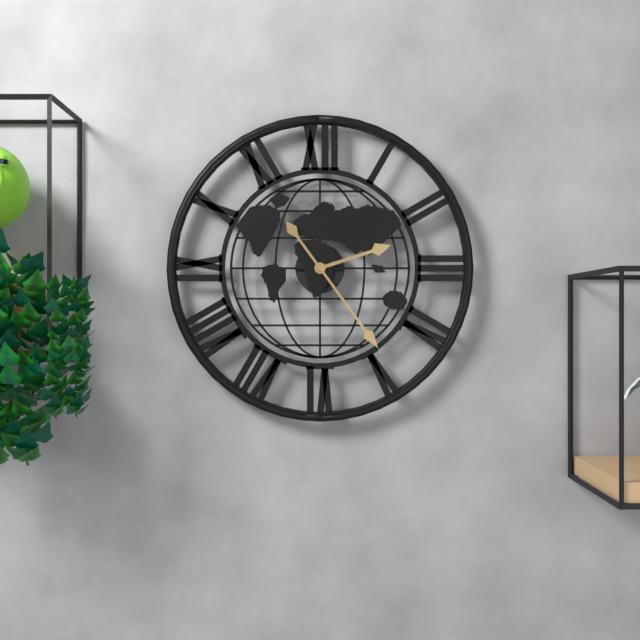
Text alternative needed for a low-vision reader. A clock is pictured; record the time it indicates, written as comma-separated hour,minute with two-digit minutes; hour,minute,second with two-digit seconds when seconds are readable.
2,24
